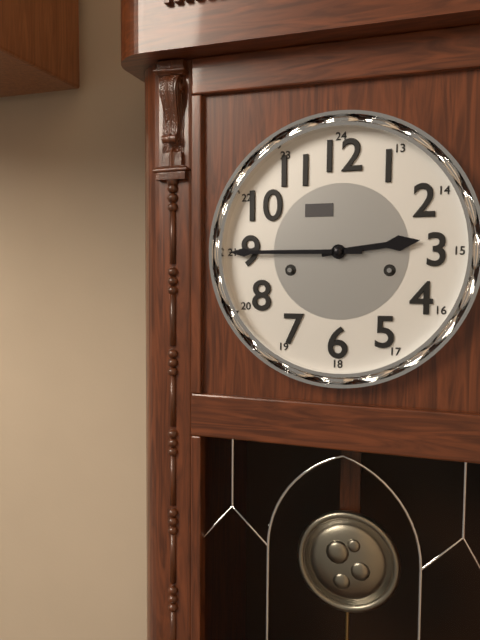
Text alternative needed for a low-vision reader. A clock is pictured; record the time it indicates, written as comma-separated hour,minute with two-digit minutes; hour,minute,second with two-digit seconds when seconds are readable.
2,45
